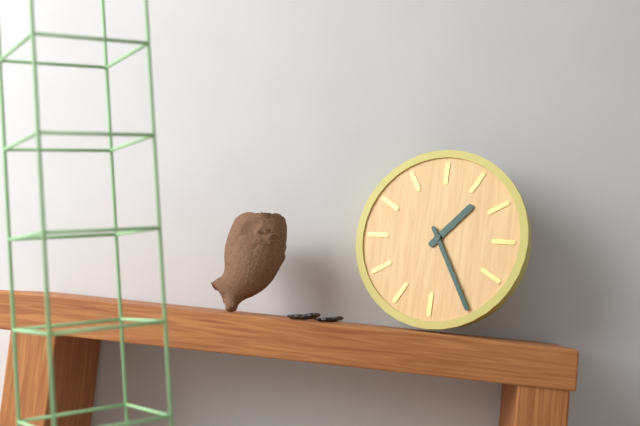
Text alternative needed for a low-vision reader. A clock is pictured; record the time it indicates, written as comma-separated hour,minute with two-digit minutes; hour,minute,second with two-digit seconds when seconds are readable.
1,25
